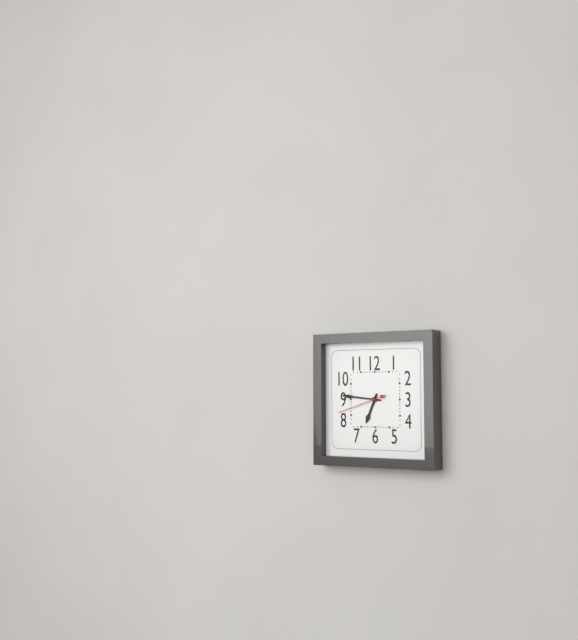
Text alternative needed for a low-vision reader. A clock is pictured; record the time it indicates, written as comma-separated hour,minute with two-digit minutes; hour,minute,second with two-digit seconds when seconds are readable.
6,46
